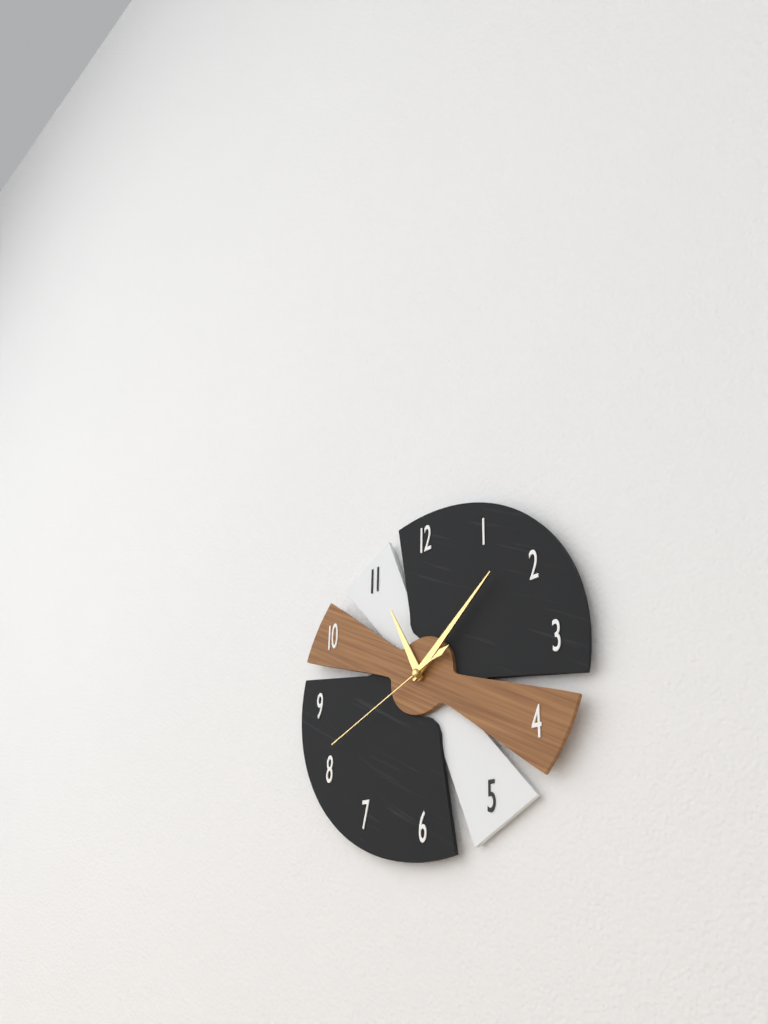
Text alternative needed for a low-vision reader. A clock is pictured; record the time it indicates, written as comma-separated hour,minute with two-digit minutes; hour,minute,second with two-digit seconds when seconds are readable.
11,08,41
